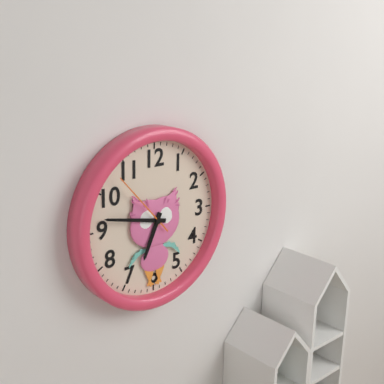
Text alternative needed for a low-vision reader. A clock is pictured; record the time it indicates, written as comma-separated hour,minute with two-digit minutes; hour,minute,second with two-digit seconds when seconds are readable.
6,47,53
